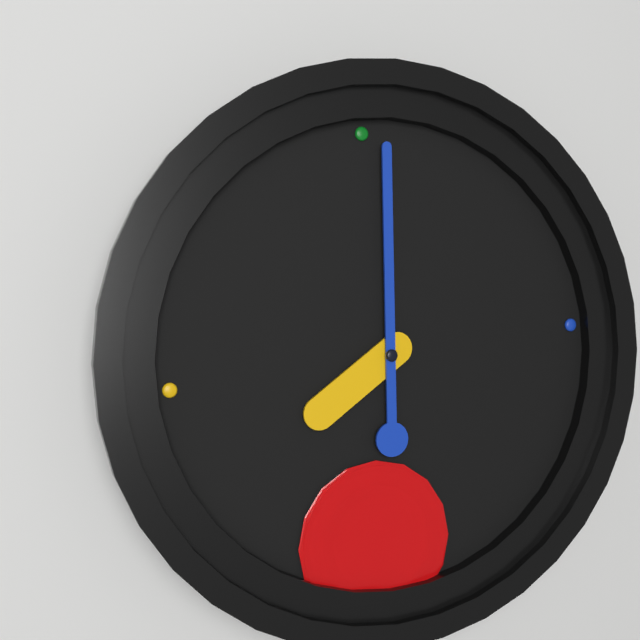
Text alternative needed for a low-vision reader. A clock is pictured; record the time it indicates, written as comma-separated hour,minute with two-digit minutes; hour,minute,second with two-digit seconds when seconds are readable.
8,01
